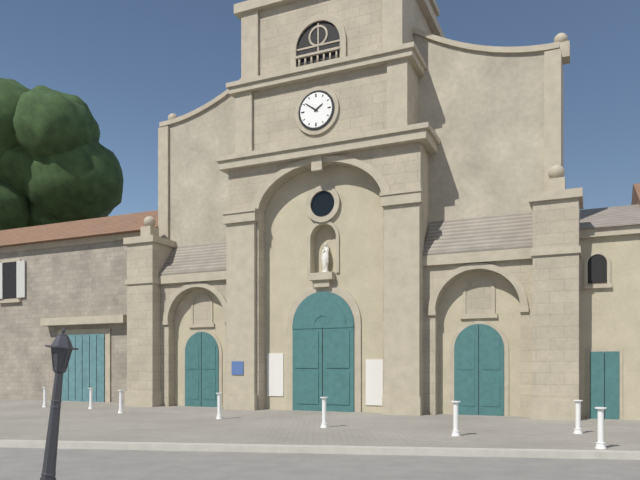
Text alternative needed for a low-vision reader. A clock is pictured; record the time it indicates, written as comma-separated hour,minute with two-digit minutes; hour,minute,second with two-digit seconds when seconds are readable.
1,51
